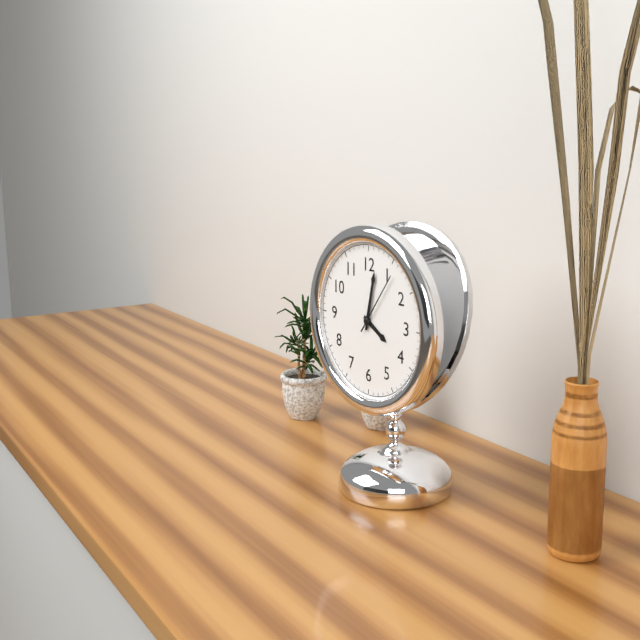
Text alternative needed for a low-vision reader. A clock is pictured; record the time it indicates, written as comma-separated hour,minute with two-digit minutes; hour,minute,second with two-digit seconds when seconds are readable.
4,02,06
